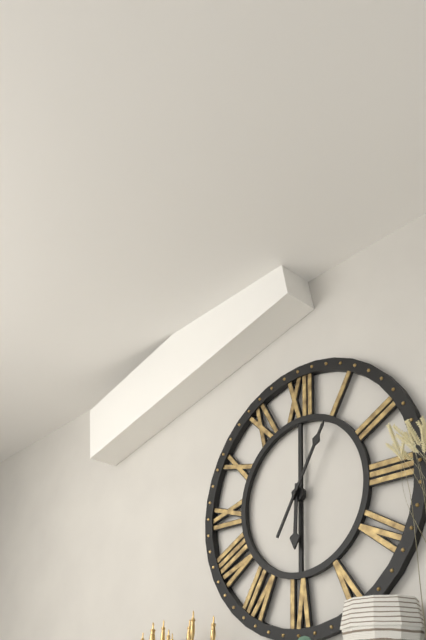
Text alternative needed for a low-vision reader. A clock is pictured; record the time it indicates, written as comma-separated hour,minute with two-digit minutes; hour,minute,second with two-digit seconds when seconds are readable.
6,05
